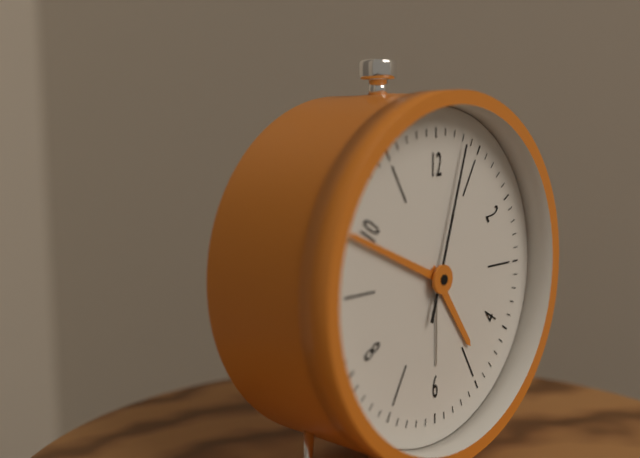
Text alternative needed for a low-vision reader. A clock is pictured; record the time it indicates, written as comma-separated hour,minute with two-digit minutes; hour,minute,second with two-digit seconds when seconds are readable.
4,49,03
